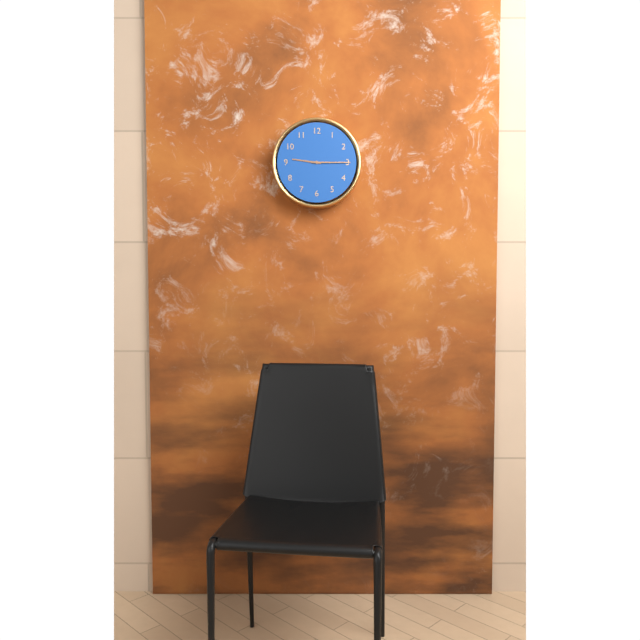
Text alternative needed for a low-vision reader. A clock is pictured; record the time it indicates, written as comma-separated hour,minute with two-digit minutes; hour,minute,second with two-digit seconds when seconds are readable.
9,15
